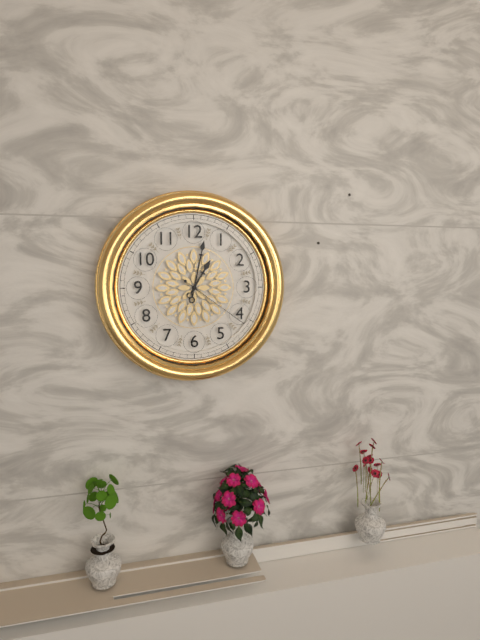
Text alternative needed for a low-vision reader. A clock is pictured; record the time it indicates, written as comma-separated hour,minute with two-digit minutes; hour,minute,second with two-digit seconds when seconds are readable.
1,02,21
